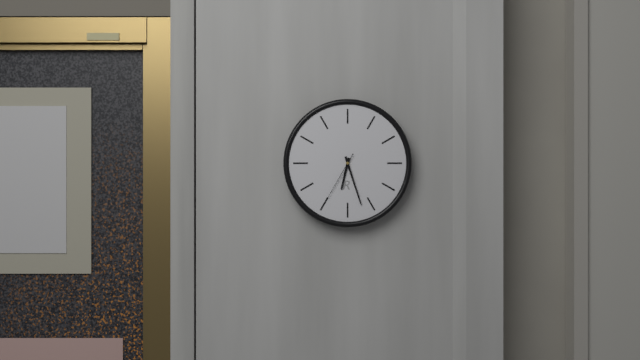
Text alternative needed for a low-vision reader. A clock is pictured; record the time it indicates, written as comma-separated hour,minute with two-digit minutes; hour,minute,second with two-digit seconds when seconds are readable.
6,27
